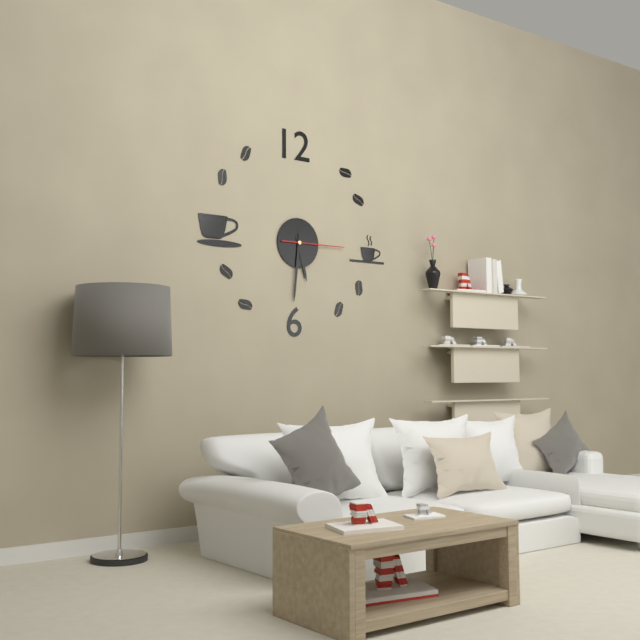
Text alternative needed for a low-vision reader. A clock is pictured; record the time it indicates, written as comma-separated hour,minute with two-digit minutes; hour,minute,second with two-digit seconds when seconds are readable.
5,31,15
